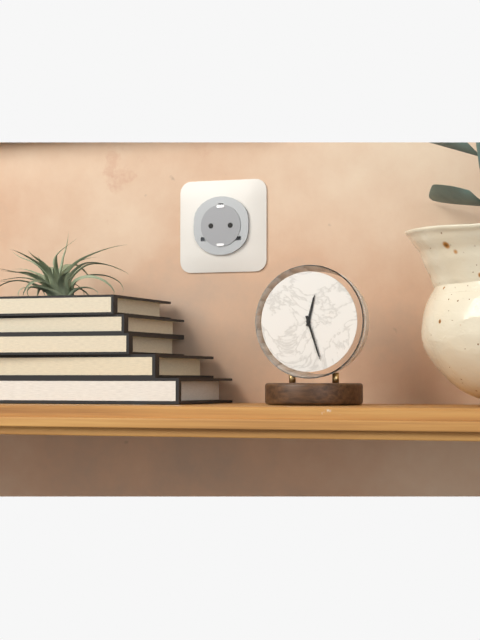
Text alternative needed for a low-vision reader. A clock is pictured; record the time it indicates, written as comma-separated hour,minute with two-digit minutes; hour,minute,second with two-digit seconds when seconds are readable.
12,27
